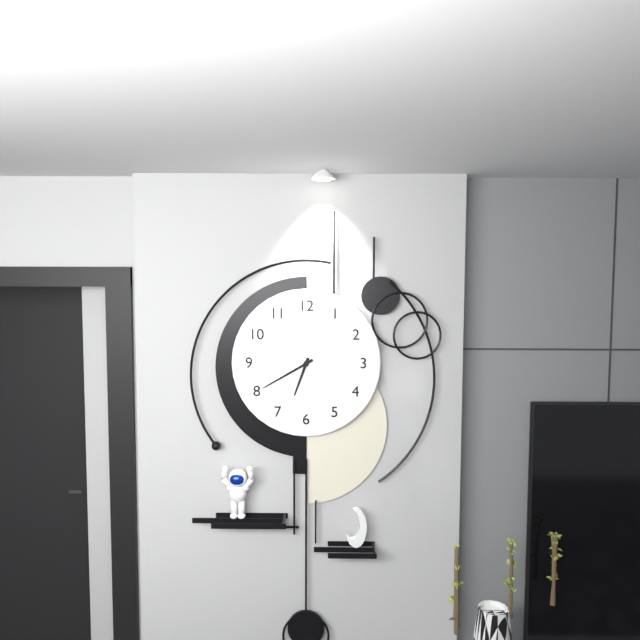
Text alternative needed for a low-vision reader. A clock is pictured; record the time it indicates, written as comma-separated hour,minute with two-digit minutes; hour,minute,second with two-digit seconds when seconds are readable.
6,40
